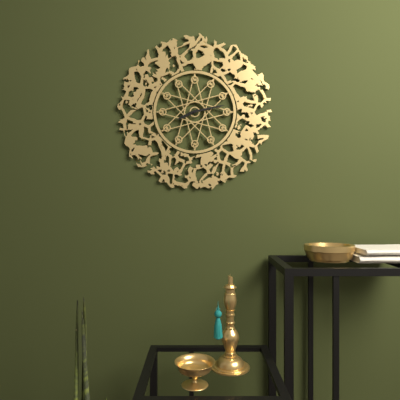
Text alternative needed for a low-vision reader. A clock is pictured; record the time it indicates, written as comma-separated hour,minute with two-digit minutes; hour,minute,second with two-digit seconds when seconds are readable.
8,13
